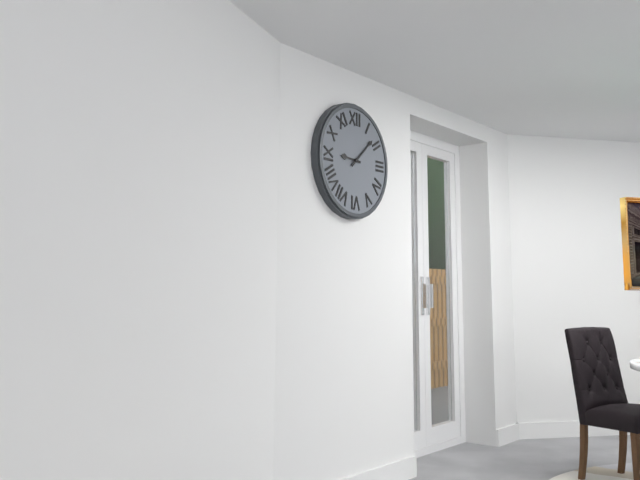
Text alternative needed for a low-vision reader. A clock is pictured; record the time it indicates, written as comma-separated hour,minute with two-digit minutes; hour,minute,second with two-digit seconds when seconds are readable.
9,08
